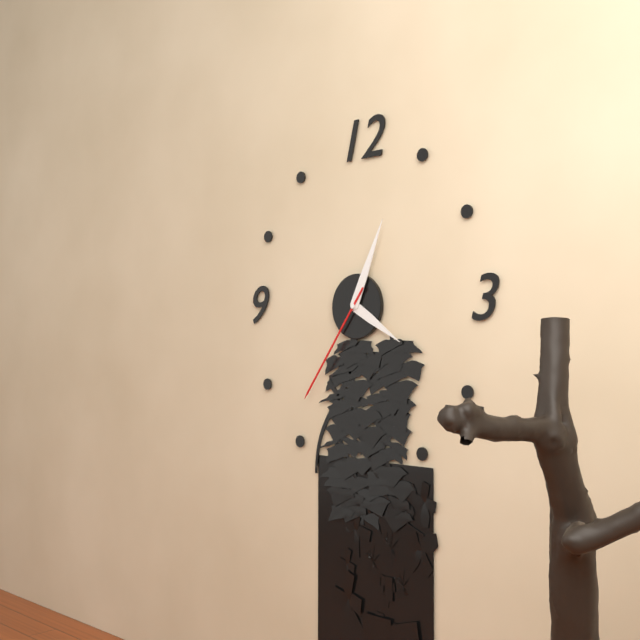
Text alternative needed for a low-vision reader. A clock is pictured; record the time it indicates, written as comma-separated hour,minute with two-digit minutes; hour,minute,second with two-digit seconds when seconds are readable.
4,04,36
